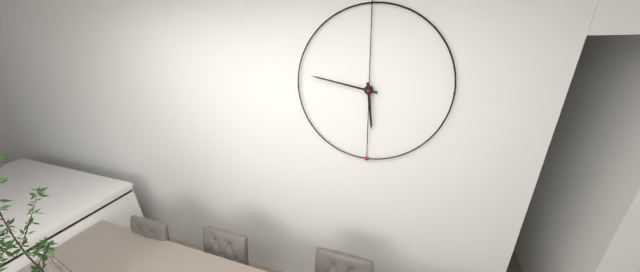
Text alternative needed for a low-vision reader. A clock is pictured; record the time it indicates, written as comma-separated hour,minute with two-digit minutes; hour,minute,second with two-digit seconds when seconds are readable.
5,47
